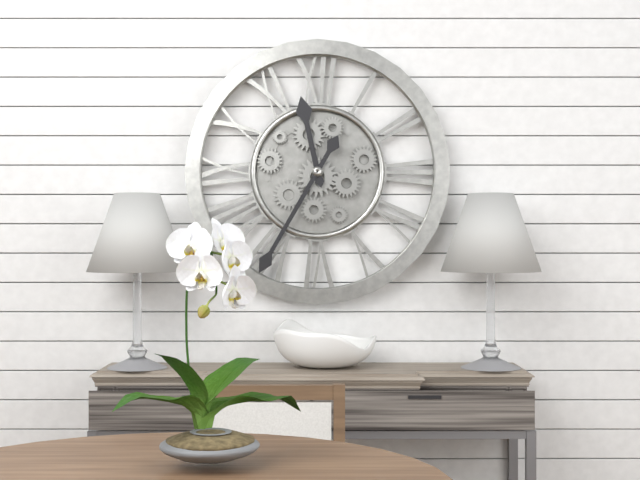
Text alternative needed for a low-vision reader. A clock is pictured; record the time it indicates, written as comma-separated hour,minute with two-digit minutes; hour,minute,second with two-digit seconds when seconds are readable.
11,35
